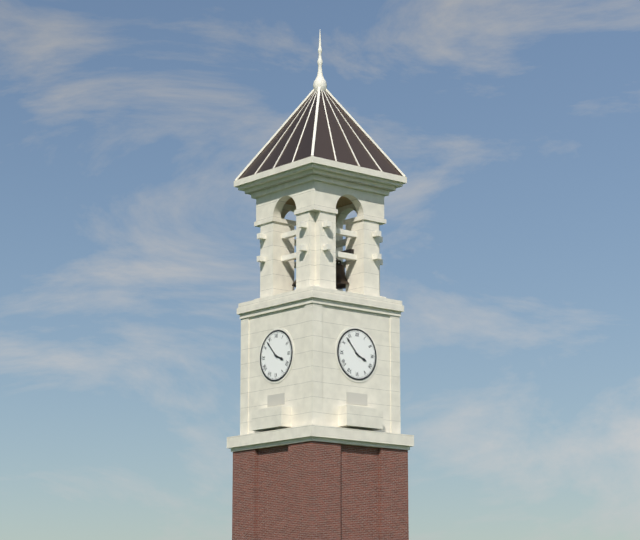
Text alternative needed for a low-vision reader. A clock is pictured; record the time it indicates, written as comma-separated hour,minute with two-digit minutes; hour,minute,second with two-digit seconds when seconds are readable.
3,53
